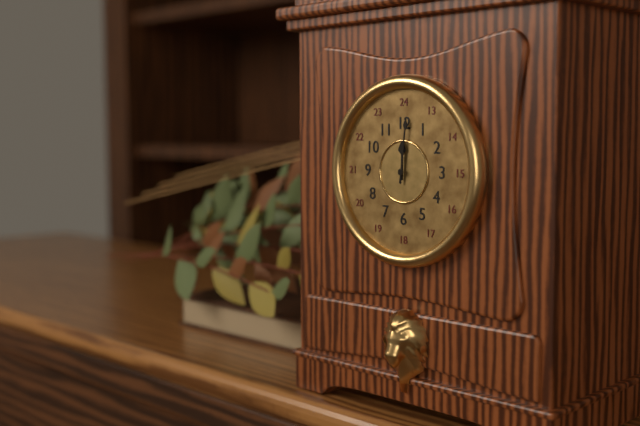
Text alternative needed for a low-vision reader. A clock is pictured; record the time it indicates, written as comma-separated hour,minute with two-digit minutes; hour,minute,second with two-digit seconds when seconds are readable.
12,01
